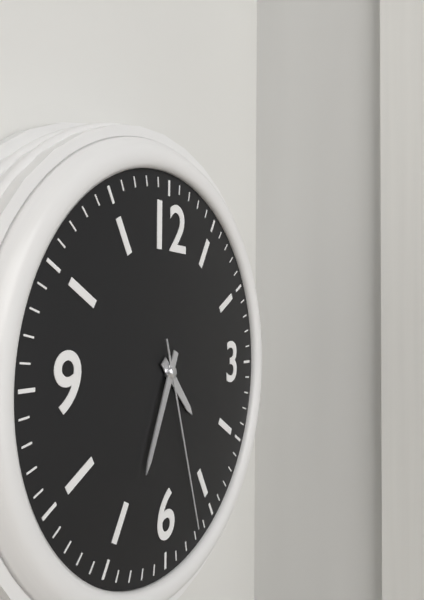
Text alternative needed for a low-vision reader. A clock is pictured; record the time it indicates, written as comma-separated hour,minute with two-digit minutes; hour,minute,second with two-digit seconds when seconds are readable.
4,34,27
